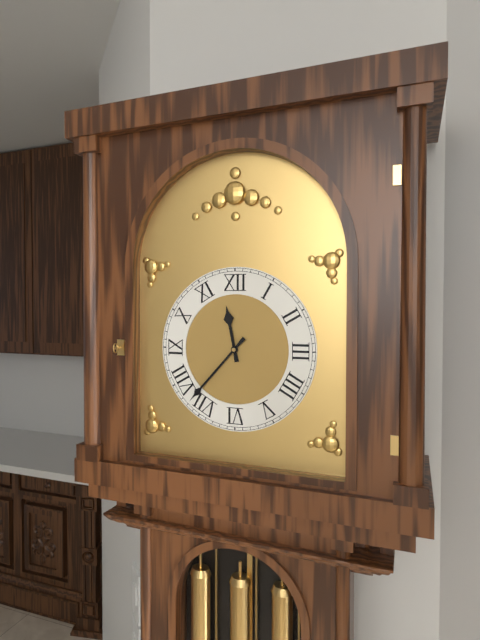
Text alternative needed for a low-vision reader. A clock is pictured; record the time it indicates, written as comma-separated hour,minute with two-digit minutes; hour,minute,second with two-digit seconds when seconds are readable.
11,37
